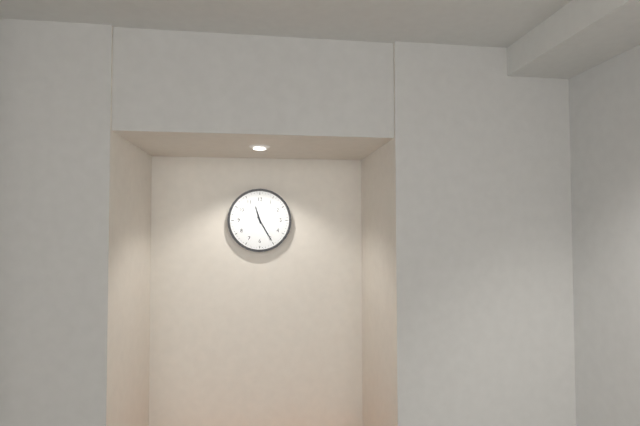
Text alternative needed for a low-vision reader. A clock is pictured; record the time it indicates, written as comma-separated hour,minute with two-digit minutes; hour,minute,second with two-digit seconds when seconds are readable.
11,25
